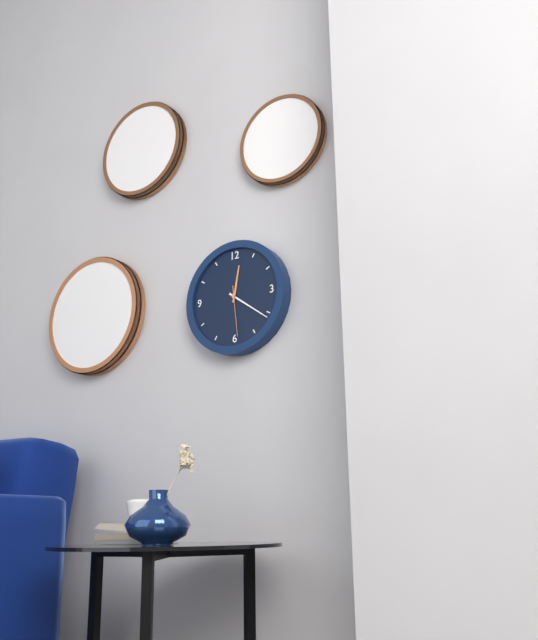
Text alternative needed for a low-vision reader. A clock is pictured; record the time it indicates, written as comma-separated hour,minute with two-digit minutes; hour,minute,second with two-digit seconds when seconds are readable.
12,21,29
